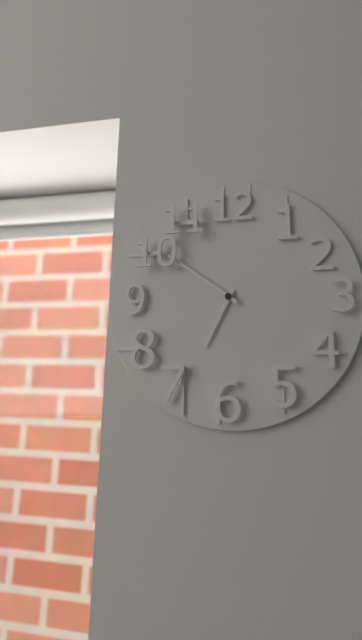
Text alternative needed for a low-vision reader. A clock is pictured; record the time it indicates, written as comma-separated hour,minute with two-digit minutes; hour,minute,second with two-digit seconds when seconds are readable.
6,51
